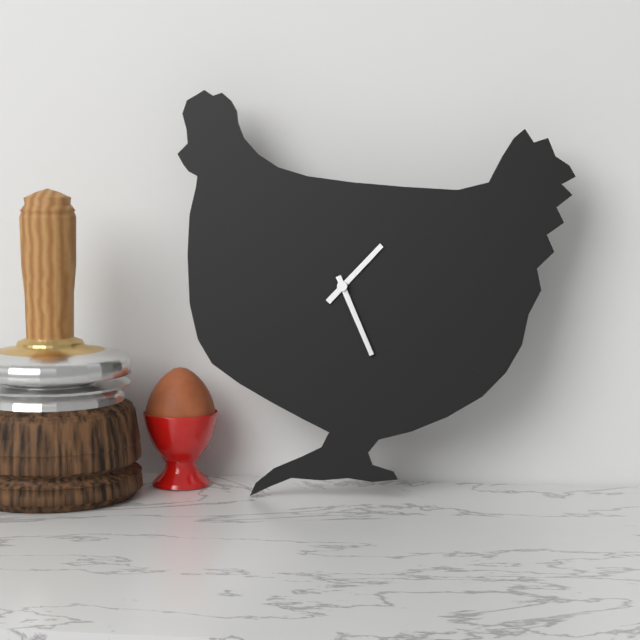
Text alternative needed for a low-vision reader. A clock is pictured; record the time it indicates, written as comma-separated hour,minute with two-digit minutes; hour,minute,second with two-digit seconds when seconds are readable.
1,26
